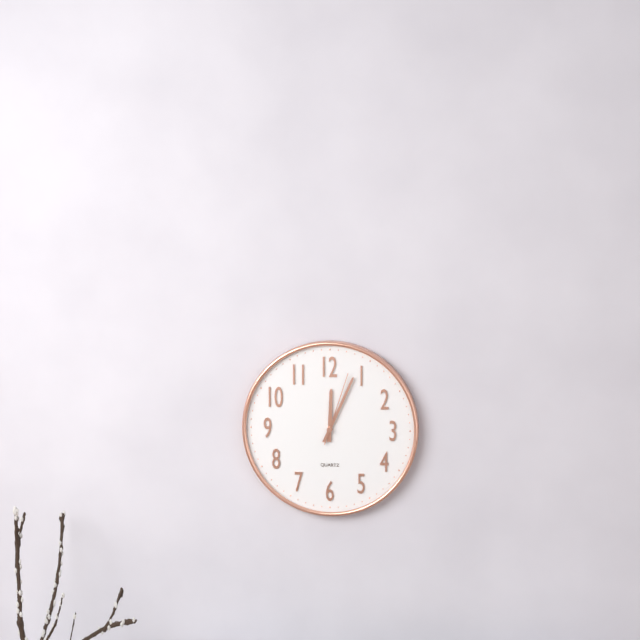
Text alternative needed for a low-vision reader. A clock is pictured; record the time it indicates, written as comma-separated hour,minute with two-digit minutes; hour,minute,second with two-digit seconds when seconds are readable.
12,04,03
